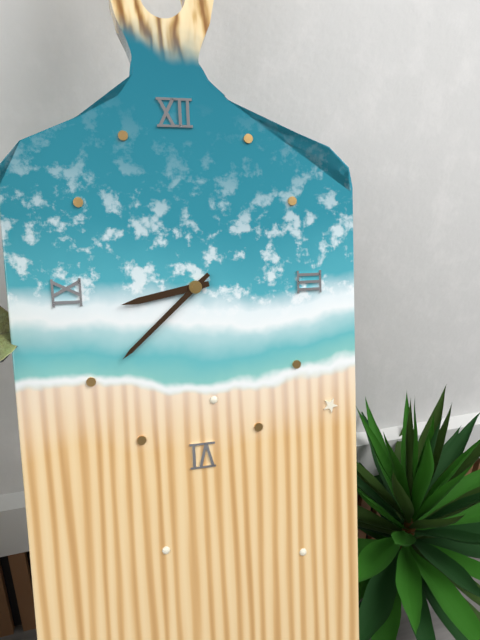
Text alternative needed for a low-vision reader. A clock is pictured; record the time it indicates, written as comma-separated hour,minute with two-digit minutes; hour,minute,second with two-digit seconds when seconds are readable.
8,38
